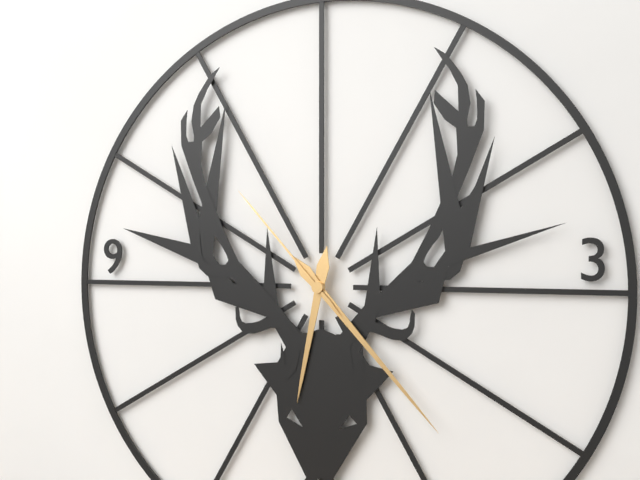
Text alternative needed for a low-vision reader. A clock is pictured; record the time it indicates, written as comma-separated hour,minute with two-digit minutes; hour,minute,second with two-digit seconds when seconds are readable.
6,23,53
